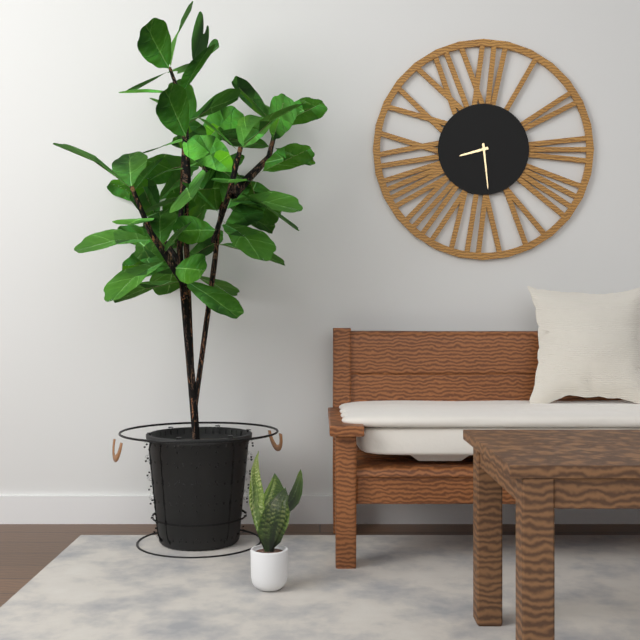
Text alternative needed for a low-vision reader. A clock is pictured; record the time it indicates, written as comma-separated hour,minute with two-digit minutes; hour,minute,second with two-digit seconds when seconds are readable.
8,29
